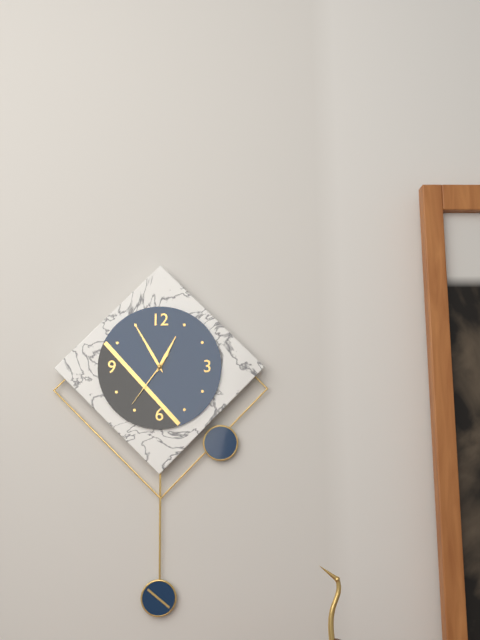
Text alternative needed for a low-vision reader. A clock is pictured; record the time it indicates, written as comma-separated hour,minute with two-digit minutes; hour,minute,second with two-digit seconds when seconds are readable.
12,55,36
